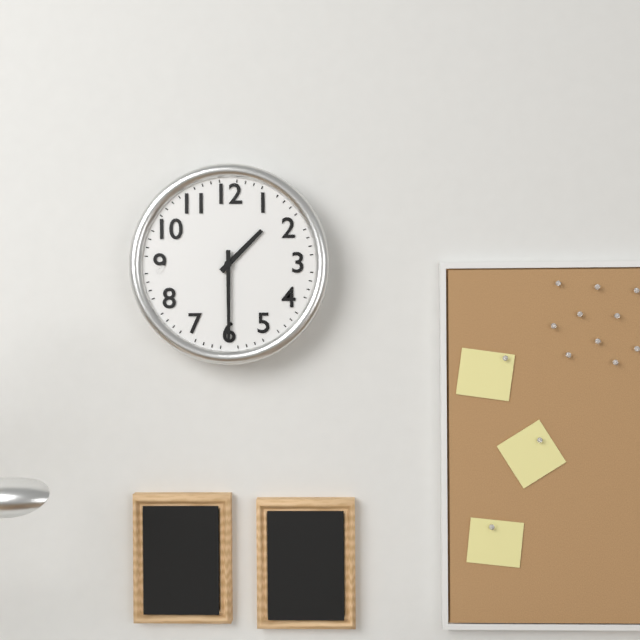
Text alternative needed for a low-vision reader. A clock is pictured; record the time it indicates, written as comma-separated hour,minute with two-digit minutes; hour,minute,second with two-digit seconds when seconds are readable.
1,30
